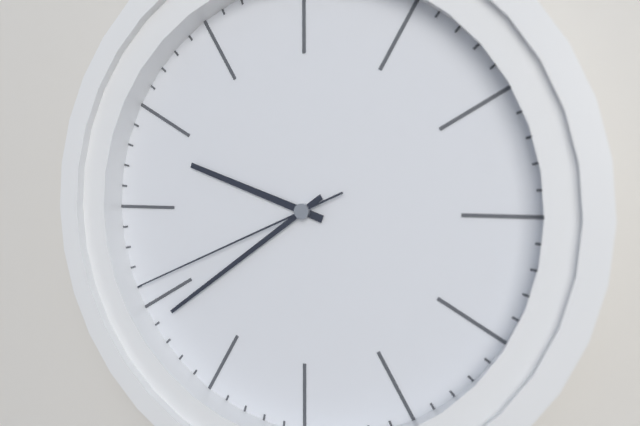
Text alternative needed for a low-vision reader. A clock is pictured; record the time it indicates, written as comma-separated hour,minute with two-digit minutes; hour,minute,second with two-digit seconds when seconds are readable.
9,39,41
